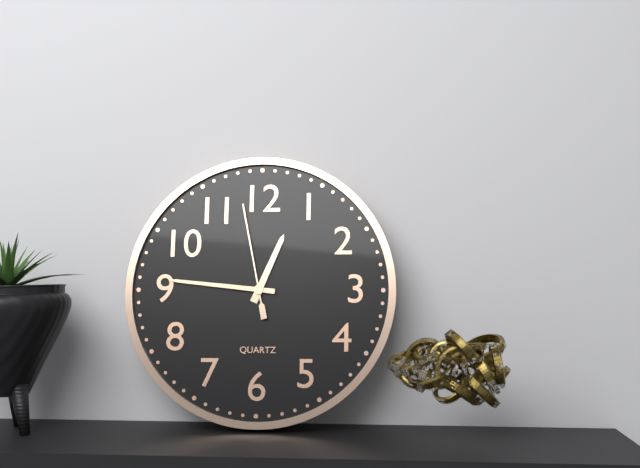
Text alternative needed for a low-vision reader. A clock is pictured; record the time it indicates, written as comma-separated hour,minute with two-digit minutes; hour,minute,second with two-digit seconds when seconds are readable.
12,46,58
